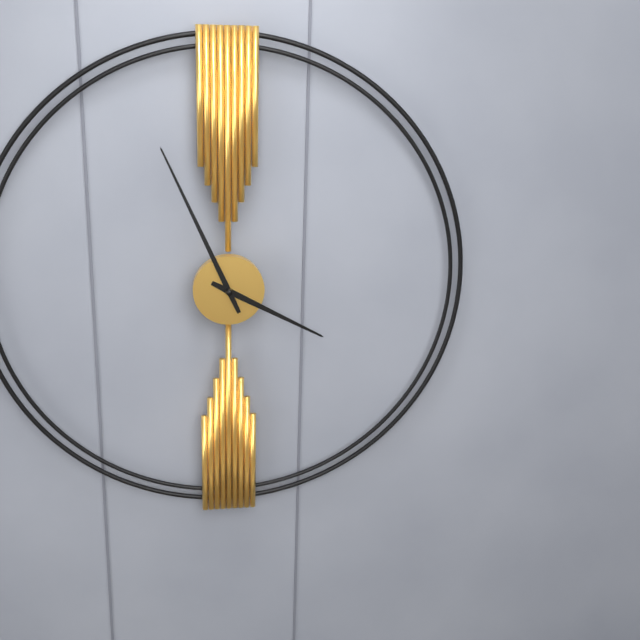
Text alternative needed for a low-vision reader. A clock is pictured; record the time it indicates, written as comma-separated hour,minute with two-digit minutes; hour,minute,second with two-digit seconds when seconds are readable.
3,56
